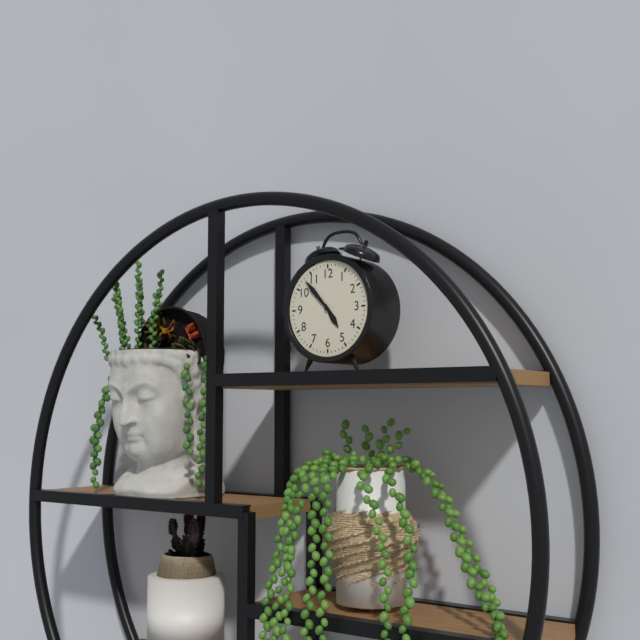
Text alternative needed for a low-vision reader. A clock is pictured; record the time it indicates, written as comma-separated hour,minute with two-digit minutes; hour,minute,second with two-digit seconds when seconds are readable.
4,53
